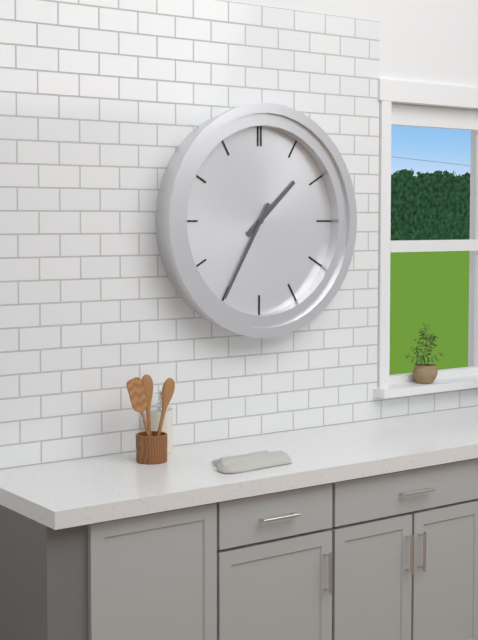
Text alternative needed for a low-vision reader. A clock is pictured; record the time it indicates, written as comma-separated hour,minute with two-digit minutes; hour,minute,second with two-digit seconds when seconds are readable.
1,35
